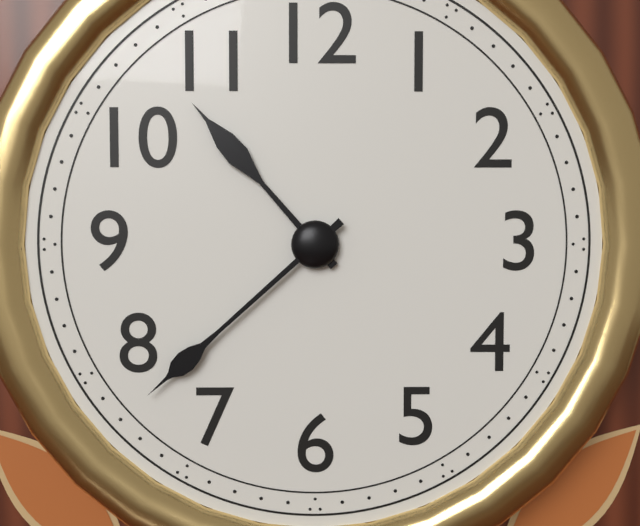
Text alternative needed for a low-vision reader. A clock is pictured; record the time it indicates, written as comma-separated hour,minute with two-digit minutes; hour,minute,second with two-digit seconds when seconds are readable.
10,38
